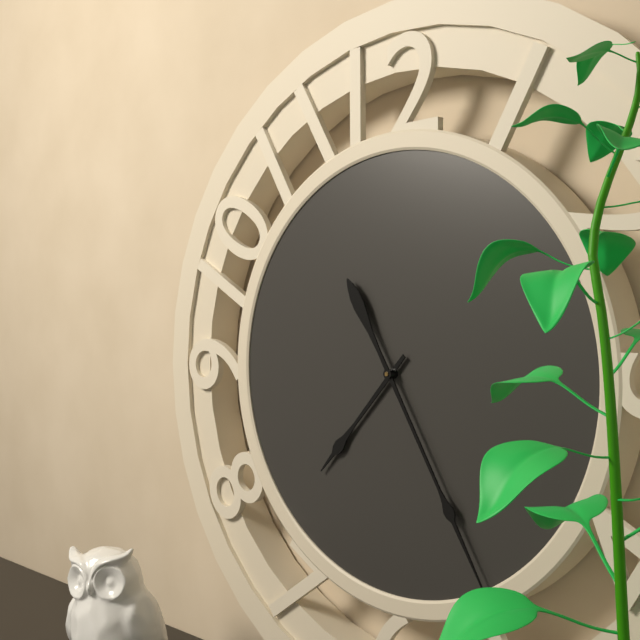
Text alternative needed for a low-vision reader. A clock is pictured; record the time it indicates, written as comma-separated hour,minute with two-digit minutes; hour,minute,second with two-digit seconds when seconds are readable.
7,25
